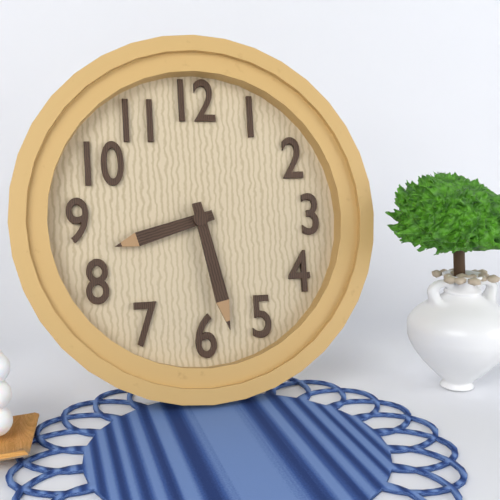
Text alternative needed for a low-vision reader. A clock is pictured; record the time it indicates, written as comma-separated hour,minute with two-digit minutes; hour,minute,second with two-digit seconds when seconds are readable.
8,28
